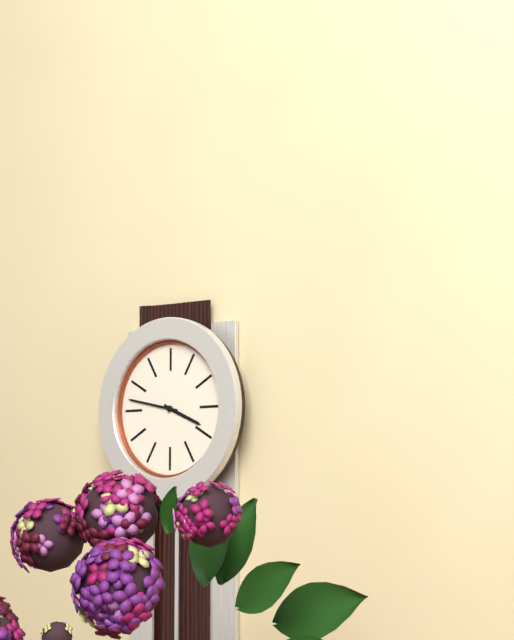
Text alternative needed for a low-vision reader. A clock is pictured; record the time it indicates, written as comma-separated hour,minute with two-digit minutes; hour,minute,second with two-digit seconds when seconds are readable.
3,47
